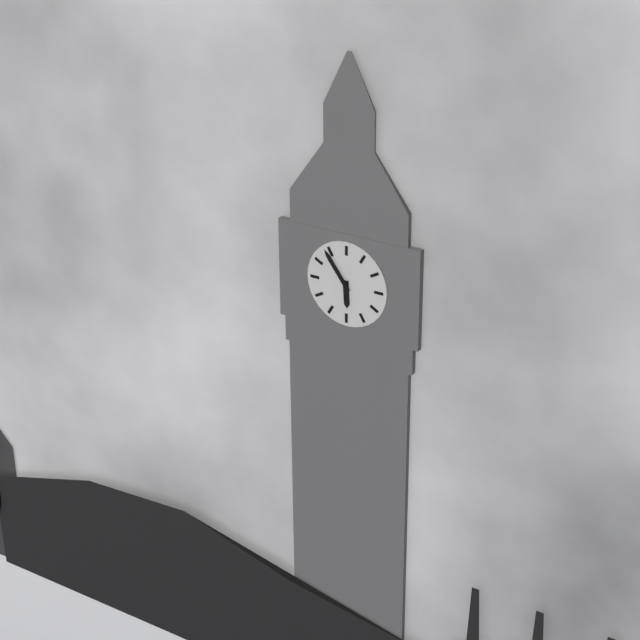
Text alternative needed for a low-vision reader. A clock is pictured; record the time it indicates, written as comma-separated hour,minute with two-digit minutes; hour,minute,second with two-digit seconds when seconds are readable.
5,54
